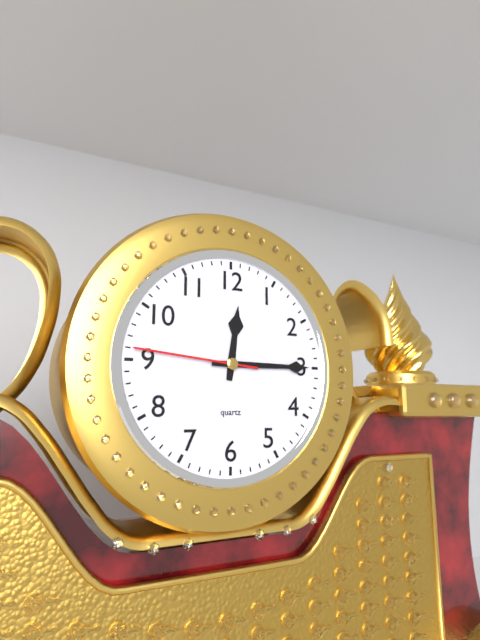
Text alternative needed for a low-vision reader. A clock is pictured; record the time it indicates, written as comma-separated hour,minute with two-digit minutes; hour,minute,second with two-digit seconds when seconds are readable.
12,15,46
